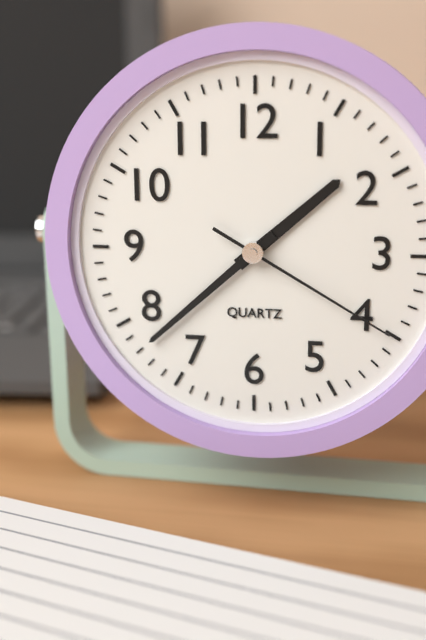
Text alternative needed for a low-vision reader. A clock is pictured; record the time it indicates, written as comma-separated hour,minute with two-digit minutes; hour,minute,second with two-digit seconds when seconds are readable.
1,38,20
